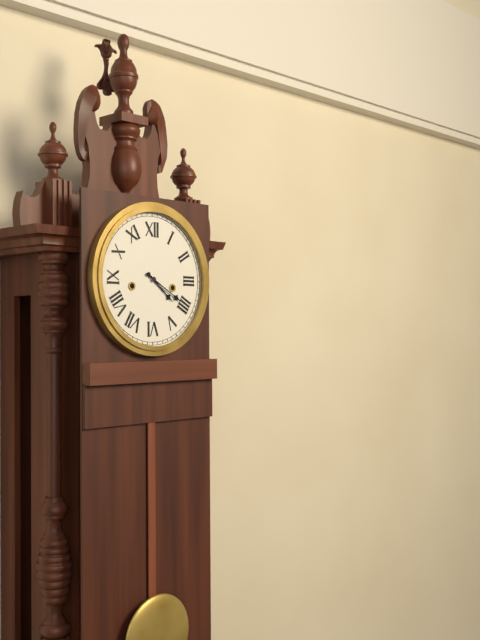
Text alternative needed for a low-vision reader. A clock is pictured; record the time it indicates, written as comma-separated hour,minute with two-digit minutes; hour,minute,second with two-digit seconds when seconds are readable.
4,20
